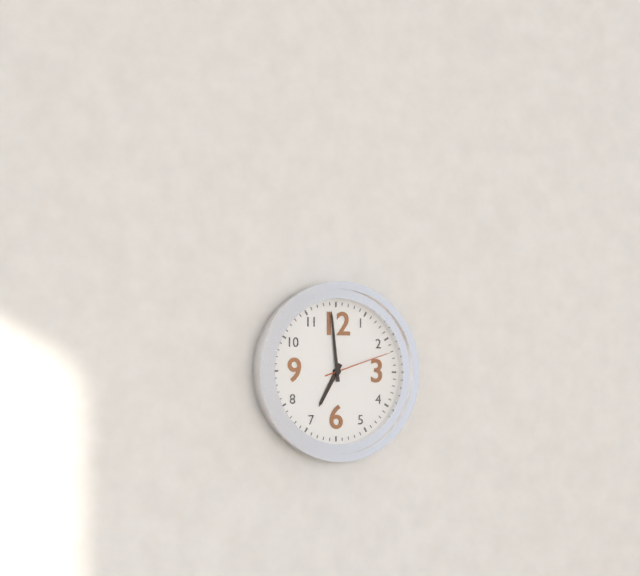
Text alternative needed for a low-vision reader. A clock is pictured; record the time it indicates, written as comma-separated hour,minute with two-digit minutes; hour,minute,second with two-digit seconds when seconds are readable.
6,59,12
